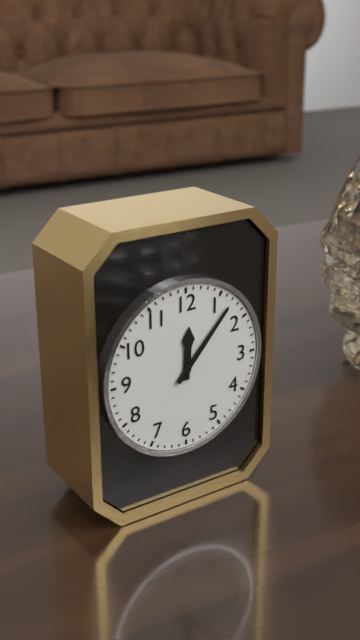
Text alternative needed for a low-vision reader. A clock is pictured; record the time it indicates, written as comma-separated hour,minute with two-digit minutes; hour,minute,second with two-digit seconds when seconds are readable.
12,07
